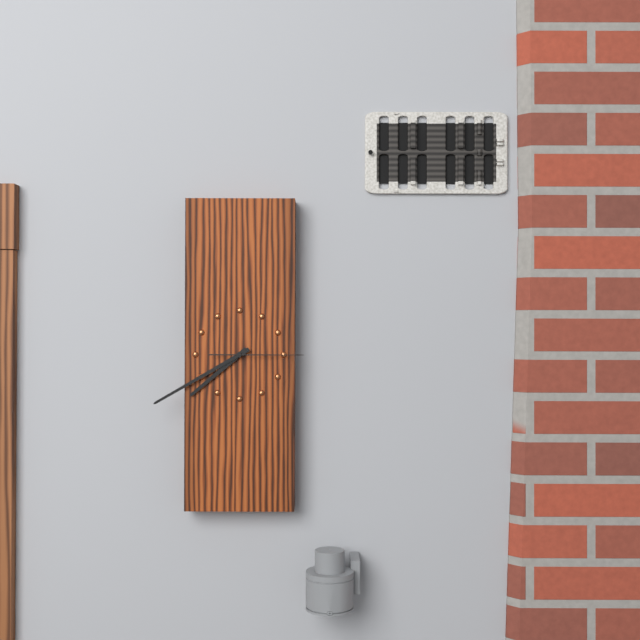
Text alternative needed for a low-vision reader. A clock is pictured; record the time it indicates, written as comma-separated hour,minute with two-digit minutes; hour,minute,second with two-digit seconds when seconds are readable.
7,40,15
